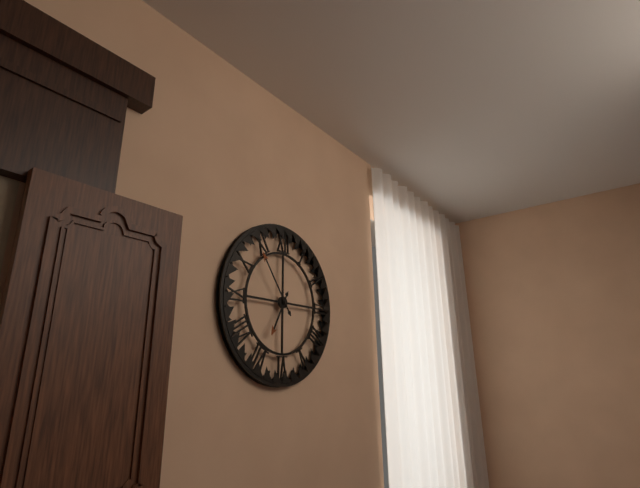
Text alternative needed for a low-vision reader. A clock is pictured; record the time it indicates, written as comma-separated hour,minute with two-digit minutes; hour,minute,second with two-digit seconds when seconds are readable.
6,54
